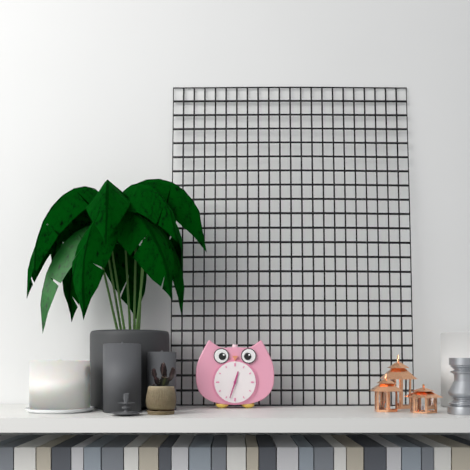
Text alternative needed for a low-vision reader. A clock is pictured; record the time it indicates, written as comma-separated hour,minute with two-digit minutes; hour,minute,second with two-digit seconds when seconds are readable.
12,33
